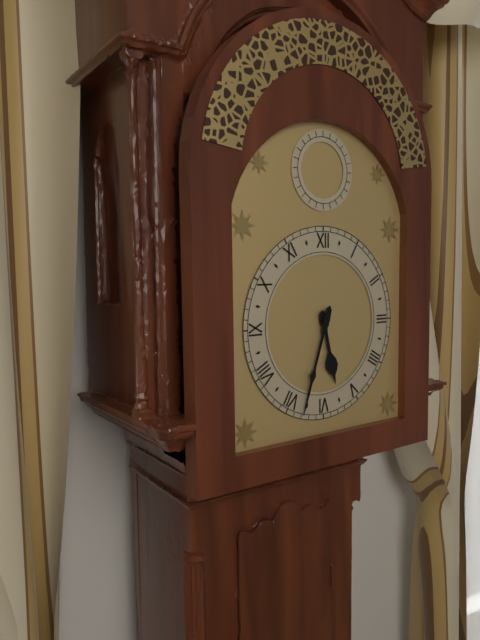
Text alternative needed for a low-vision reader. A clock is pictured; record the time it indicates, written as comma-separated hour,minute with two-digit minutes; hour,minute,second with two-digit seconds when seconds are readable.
5,33
